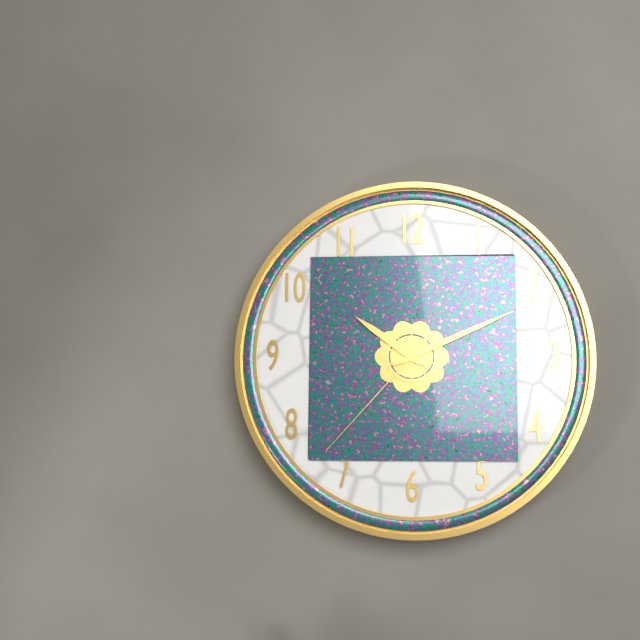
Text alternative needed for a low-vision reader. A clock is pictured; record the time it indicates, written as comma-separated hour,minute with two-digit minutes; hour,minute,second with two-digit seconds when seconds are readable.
10,11,37
